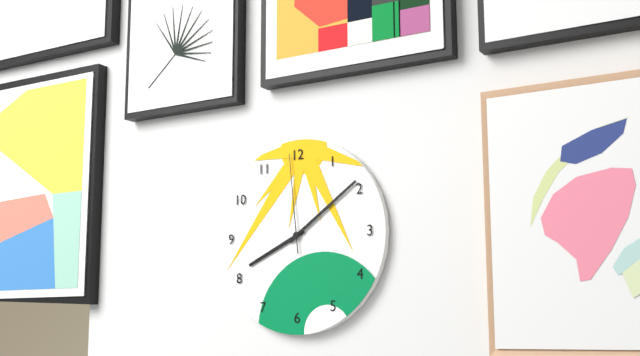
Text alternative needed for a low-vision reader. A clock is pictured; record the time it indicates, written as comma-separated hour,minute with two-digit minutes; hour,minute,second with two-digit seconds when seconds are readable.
8,09,59
